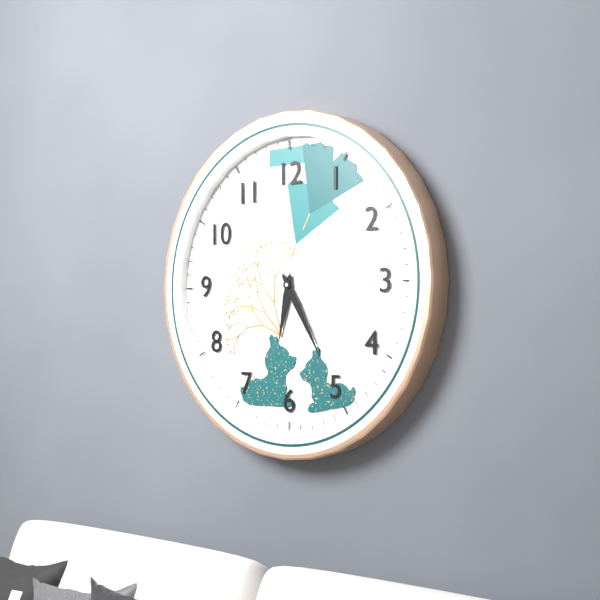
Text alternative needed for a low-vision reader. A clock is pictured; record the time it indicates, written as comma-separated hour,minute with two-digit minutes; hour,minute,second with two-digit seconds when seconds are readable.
6,25
